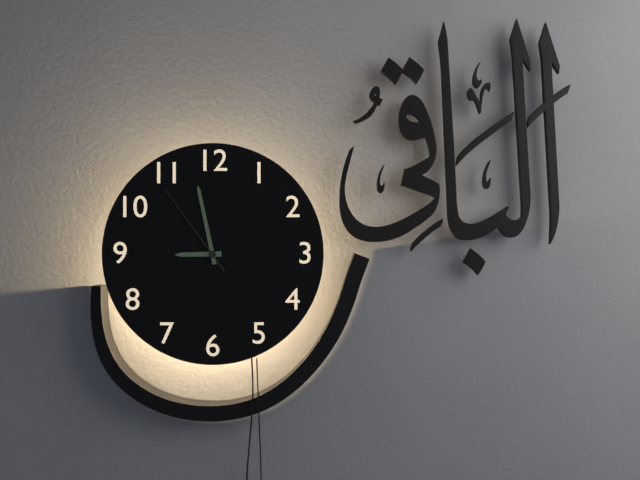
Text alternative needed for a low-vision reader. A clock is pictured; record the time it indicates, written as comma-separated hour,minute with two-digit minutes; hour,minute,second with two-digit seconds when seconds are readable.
8,58,54
